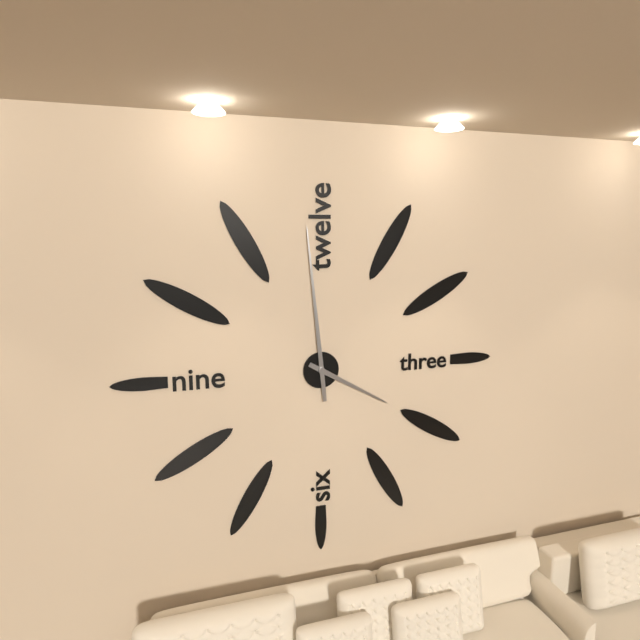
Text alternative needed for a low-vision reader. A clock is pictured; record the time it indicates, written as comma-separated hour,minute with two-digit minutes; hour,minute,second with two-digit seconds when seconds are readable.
3,59
